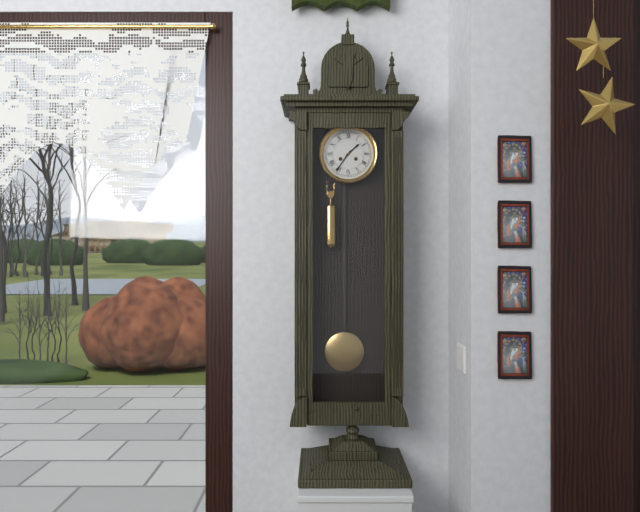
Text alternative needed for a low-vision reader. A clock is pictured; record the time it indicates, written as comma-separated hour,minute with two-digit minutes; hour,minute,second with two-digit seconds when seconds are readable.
1,36
